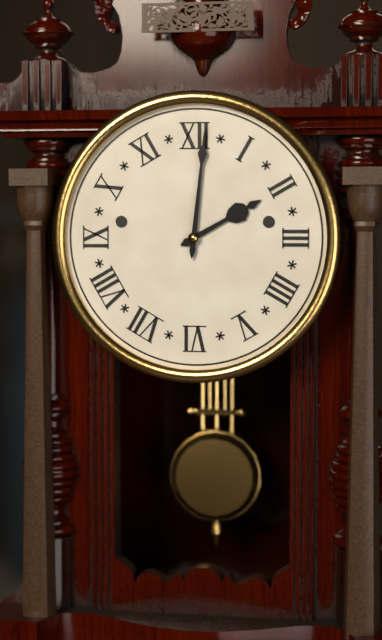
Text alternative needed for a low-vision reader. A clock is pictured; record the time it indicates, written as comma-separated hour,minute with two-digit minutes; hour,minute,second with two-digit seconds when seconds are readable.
2,01
